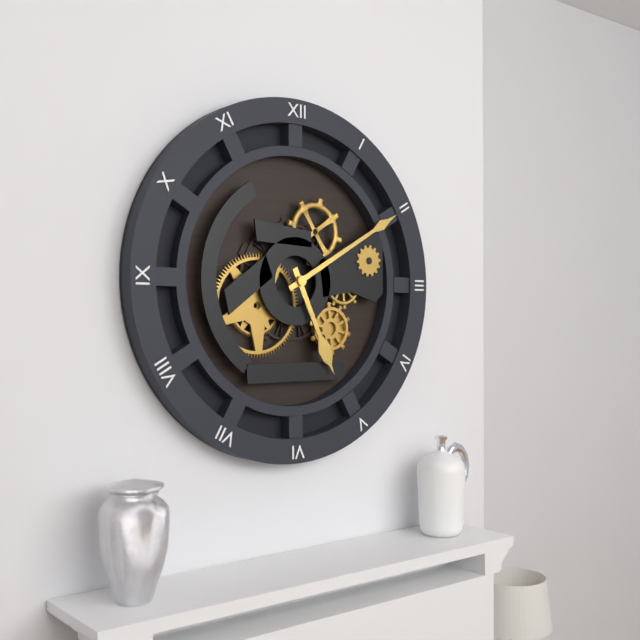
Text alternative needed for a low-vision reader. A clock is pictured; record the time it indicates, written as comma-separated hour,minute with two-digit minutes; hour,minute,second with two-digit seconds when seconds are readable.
5,10
